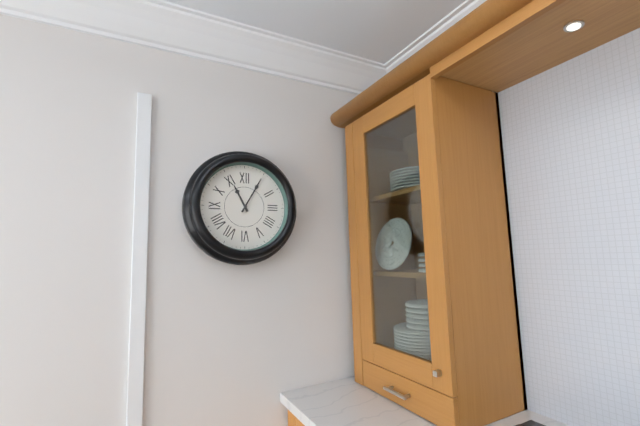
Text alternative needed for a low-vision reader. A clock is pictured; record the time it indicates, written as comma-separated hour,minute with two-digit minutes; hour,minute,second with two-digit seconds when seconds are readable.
11,05
